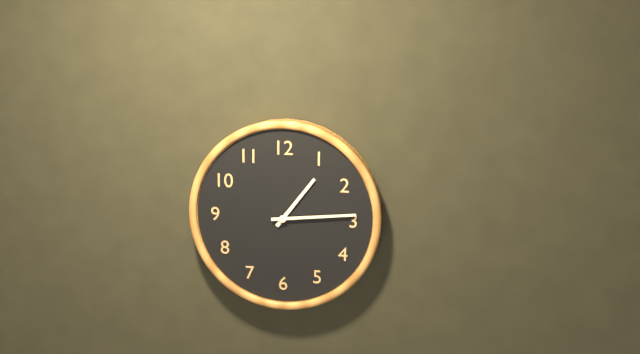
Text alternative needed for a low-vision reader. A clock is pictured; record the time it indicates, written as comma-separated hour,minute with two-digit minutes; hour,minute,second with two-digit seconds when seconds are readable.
1,14
